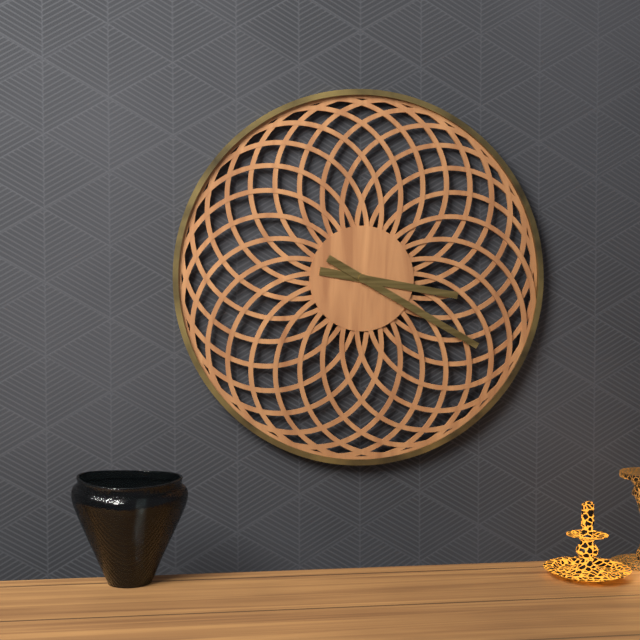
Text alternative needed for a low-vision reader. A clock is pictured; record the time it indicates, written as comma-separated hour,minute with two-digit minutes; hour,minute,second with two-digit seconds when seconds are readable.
3,20
